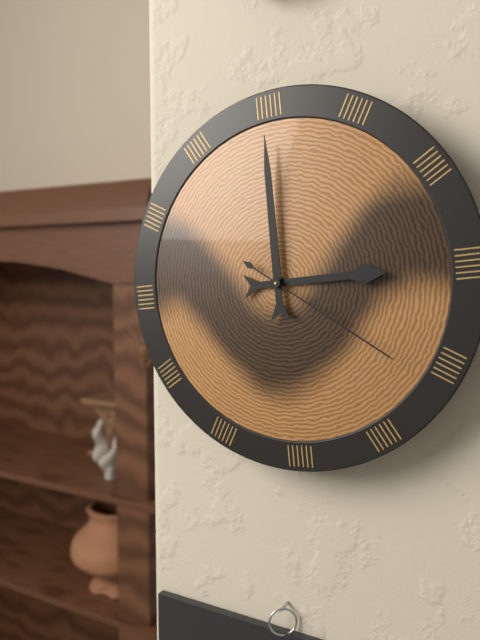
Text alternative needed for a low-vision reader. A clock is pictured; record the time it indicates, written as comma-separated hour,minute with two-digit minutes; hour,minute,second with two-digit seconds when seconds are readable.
3,00,21
